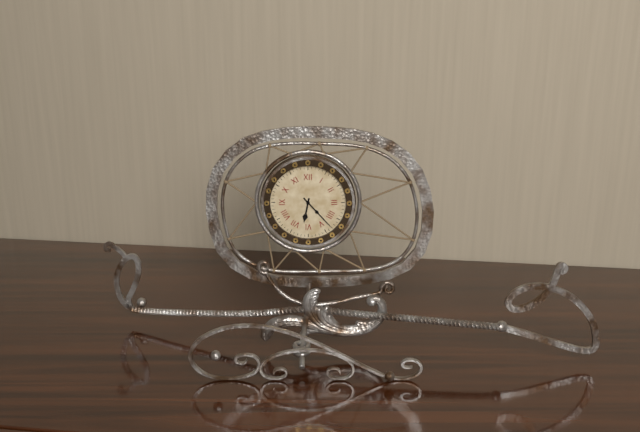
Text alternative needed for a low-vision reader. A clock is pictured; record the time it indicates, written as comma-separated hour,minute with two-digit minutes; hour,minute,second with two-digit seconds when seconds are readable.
6,23
